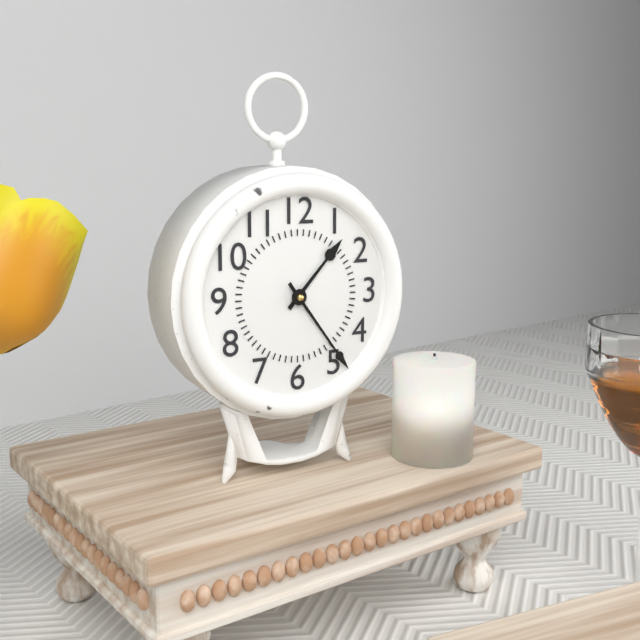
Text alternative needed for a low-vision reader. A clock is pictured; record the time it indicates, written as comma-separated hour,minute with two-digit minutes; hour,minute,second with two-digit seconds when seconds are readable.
1,24
